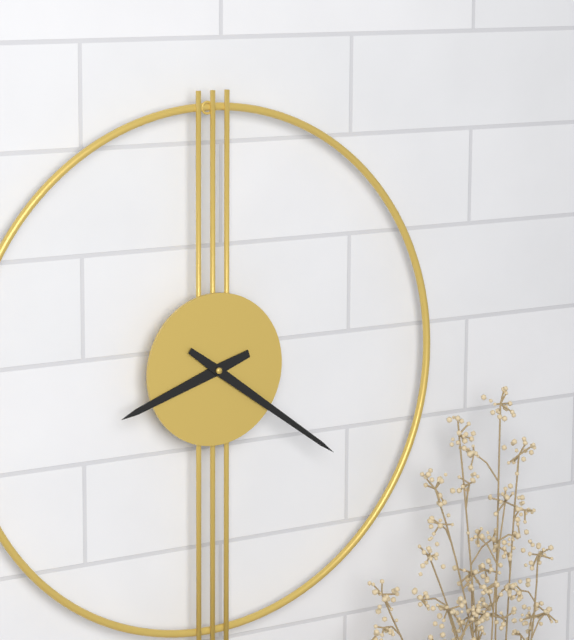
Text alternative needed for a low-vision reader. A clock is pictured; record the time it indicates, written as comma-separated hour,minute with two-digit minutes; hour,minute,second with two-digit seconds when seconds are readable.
8,21
